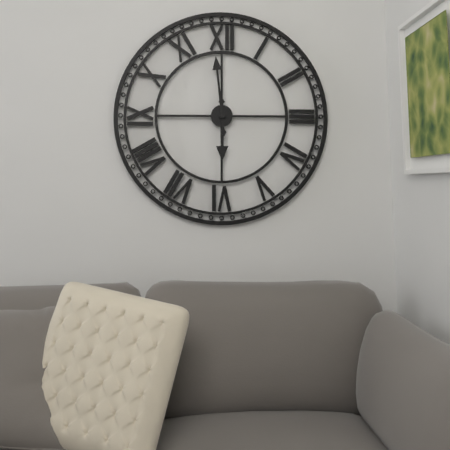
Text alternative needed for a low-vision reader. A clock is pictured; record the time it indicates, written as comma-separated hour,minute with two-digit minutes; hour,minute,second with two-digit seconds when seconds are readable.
5,59
